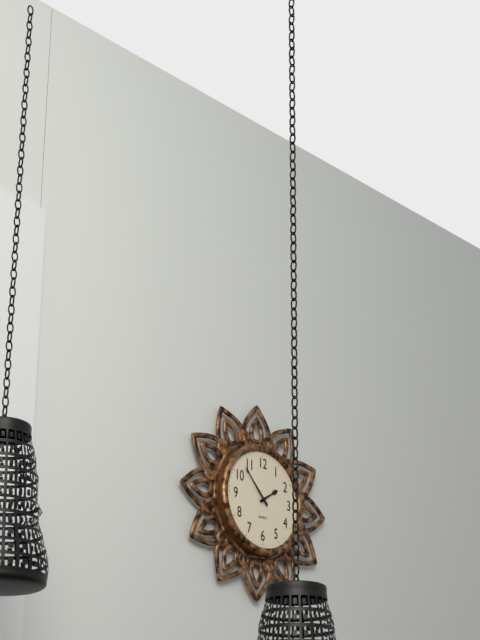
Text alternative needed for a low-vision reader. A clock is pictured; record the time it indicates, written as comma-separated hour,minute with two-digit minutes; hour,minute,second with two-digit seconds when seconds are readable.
1,53
